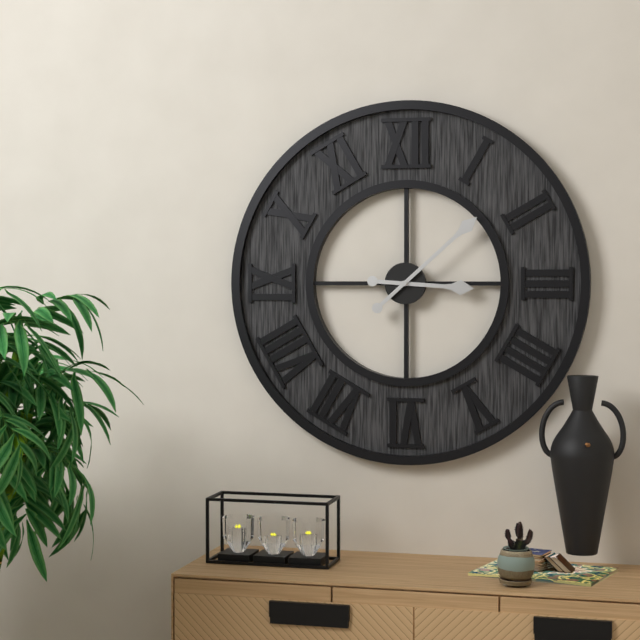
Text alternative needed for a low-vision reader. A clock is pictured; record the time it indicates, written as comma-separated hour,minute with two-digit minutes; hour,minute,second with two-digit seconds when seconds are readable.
3,08
